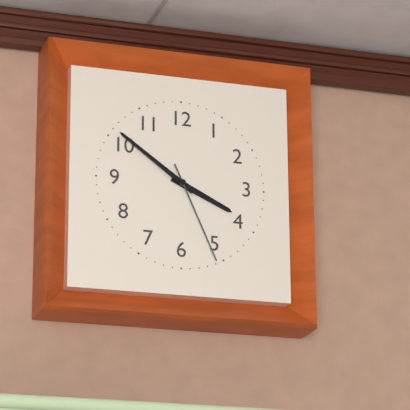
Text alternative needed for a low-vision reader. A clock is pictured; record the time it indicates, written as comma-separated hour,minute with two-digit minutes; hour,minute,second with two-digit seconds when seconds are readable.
3,51,26
